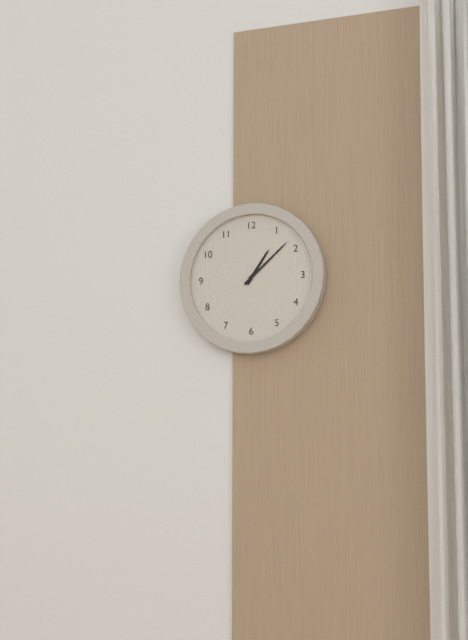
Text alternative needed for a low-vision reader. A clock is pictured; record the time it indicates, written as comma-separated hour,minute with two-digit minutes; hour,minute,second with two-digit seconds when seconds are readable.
1,08
